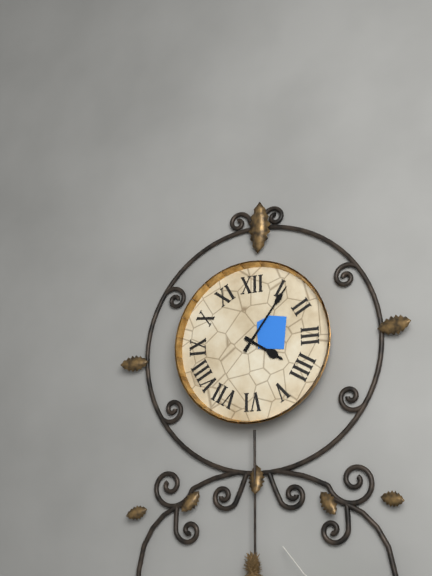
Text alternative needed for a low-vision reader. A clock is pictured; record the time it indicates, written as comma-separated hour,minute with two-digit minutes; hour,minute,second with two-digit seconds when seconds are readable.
4,06
